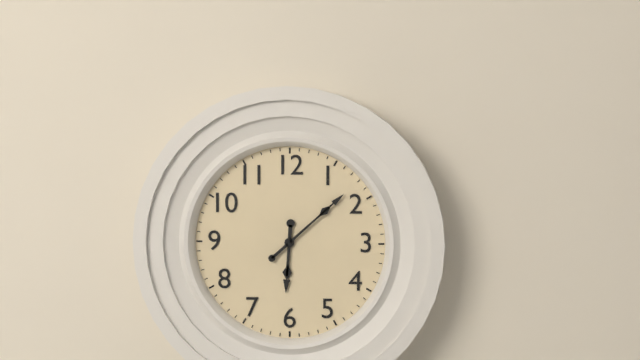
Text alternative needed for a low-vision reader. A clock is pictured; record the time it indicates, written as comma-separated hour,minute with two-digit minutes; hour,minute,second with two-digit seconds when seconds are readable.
6,08
